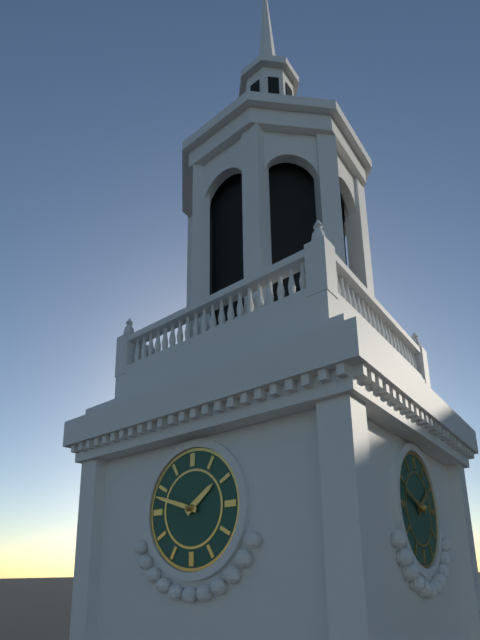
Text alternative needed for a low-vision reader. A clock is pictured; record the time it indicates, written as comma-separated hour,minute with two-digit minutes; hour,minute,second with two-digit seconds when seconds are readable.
1,48
